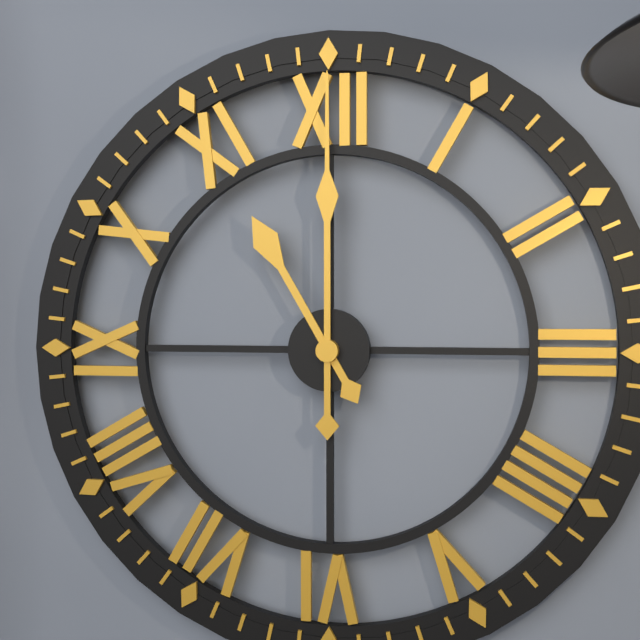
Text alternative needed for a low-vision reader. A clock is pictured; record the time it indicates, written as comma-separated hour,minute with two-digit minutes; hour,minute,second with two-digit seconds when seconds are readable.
11,00
